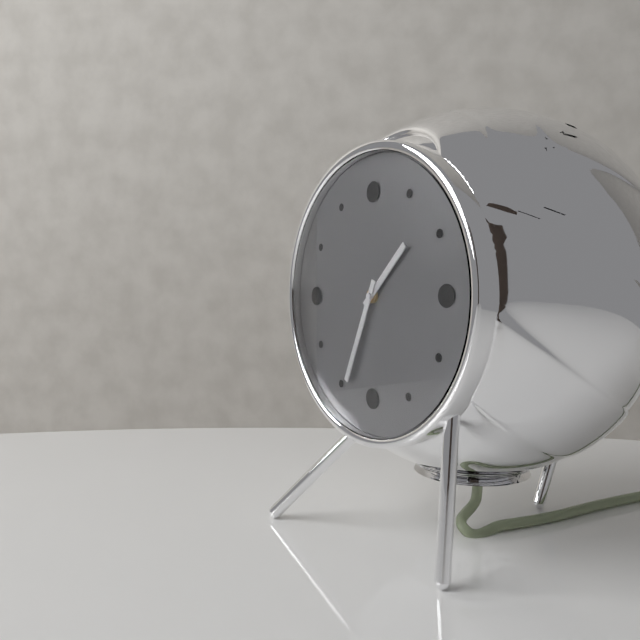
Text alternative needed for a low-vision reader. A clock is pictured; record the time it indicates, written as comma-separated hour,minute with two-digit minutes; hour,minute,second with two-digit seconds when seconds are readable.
1,34
